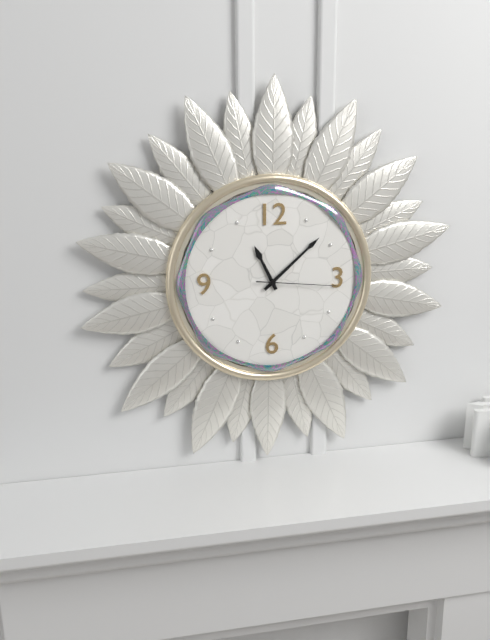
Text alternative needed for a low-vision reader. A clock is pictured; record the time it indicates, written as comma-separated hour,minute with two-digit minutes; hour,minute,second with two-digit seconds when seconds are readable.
11,08,16
